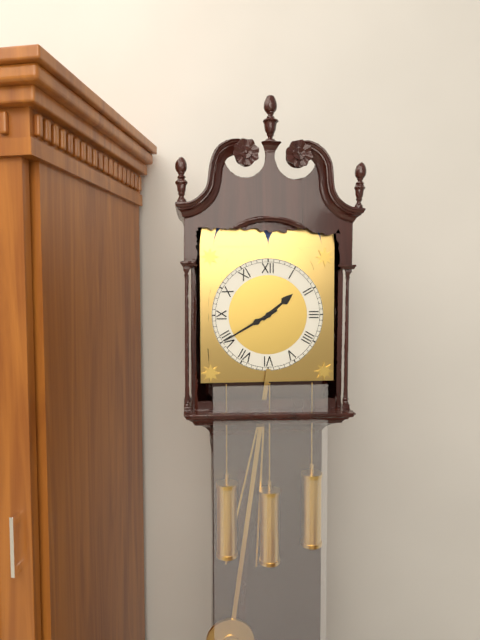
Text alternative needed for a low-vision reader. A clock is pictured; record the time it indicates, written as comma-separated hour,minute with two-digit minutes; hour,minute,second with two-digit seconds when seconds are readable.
1,40
